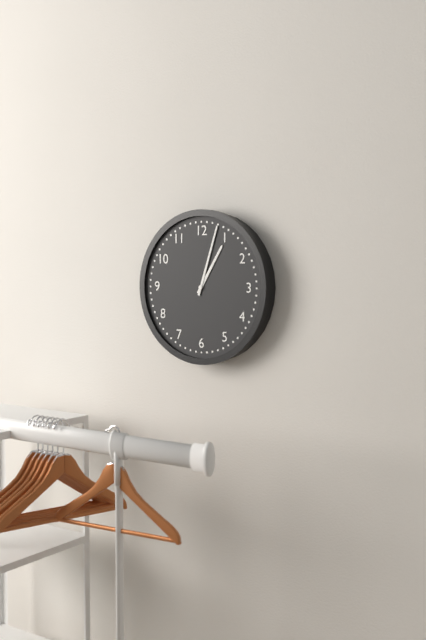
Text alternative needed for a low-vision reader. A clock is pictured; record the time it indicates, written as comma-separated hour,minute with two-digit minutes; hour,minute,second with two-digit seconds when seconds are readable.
1,03
